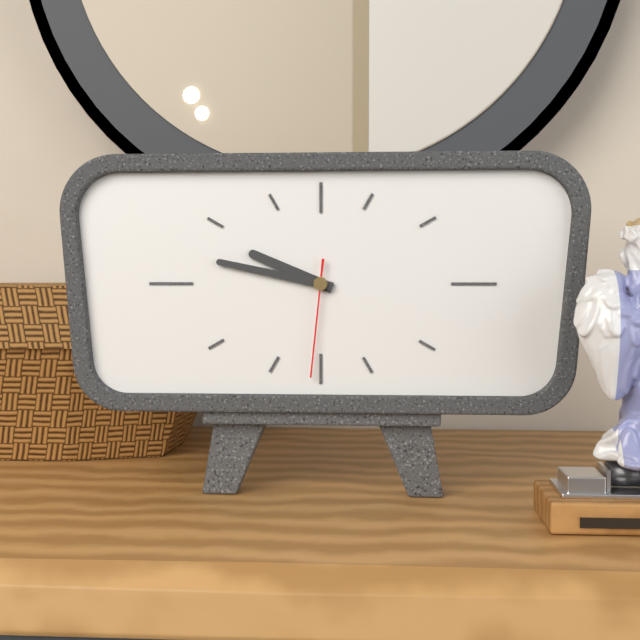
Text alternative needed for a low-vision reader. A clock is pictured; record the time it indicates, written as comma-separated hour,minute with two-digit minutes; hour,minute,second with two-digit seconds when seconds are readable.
9,47,31
